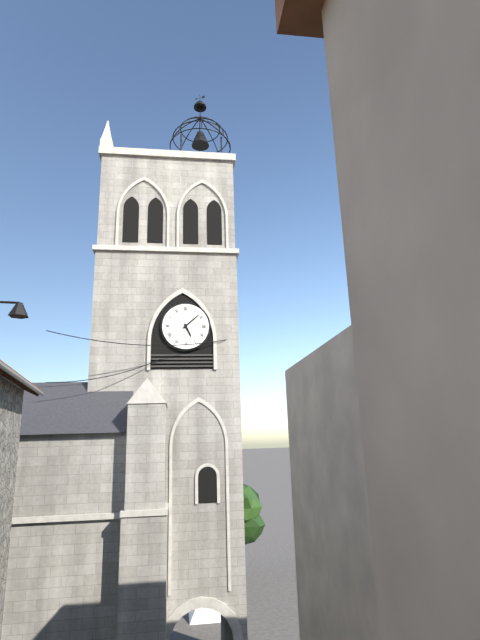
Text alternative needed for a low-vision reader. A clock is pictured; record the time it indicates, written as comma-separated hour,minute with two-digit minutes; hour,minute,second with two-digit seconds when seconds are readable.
5,08
